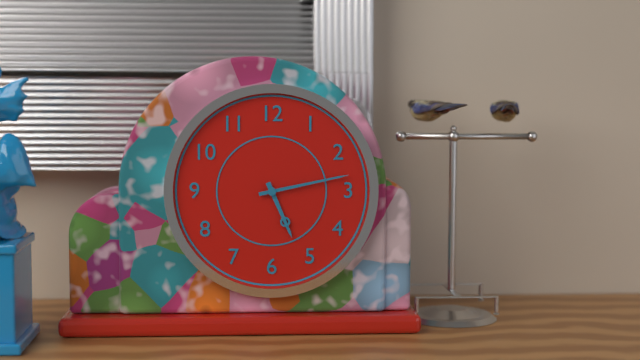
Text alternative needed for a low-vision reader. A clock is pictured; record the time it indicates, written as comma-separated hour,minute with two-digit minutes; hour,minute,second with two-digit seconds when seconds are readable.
5,13
